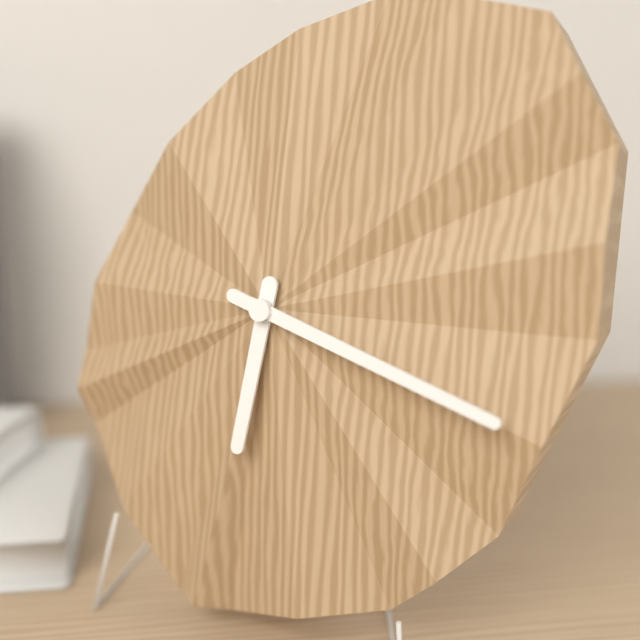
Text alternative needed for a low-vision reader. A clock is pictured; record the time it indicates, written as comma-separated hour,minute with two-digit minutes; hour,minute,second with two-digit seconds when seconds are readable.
6,18
